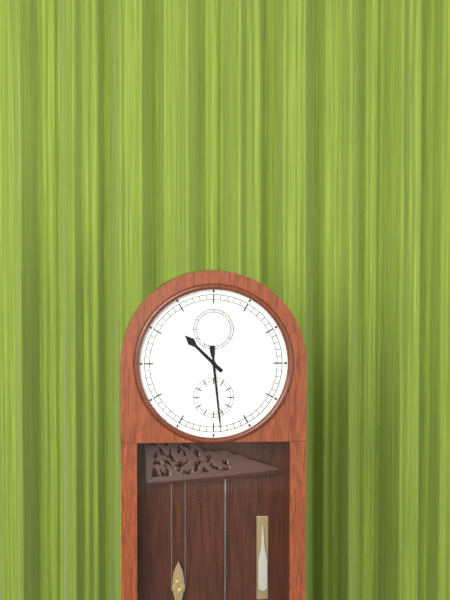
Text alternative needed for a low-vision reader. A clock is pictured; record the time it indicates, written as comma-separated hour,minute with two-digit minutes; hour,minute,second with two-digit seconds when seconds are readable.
10,29
